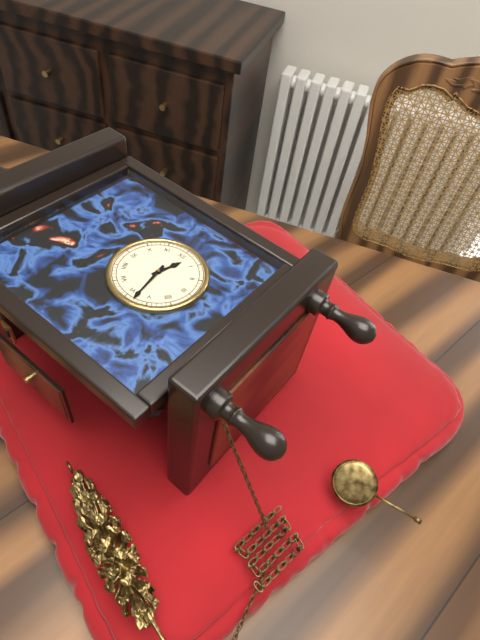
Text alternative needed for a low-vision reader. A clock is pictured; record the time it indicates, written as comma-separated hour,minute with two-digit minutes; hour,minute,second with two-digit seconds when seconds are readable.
12,28
